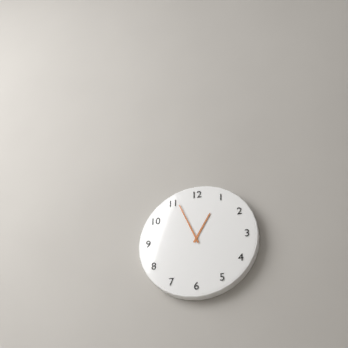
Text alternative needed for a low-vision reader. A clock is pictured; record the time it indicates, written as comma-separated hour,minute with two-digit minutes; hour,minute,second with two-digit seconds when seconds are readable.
12,56
